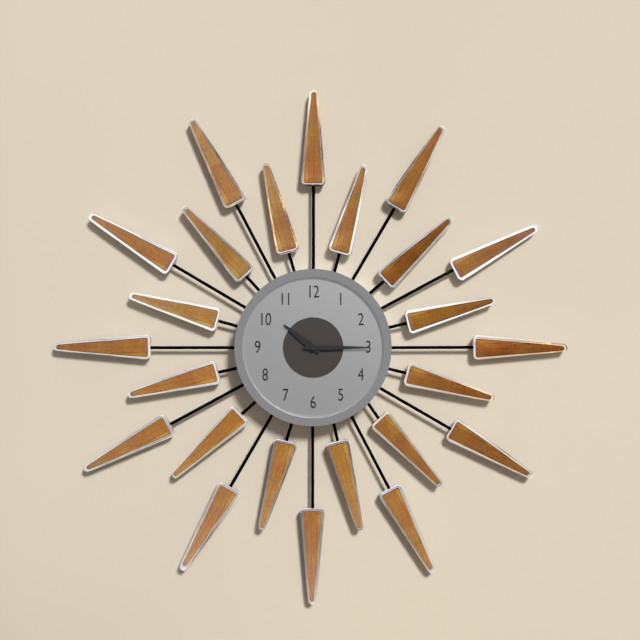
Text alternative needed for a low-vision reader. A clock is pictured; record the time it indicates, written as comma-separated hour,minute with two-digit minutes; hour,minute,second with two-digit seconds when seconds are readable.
10,15
